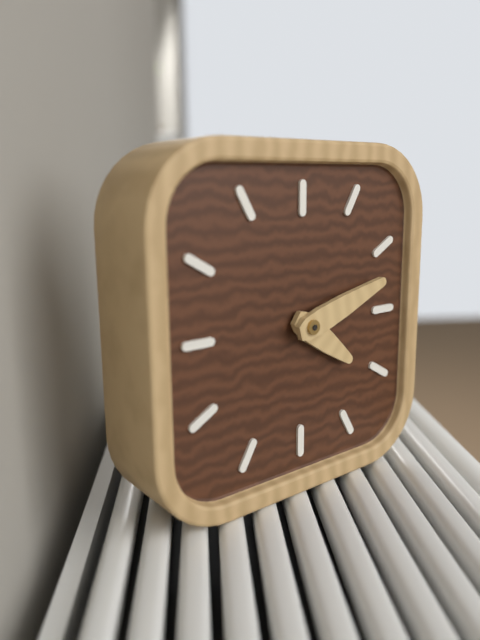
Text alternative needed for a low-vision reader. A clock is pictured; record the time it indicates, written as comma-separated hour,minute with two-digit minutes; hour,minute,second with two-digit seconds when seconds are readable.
4,12
